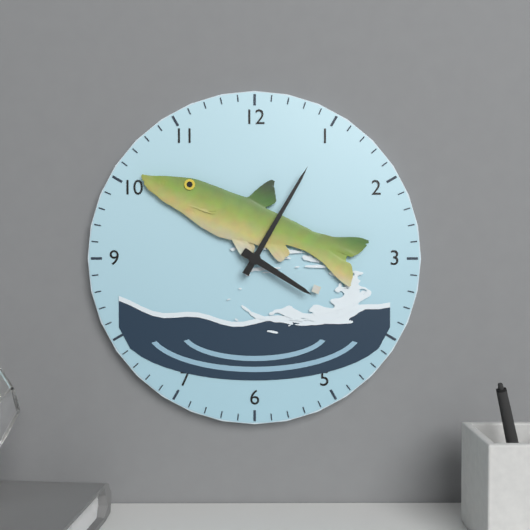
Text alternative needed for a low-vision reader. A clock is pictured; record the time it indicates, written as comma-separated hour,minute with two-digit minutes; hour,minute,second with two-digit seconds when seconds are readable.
4,05
